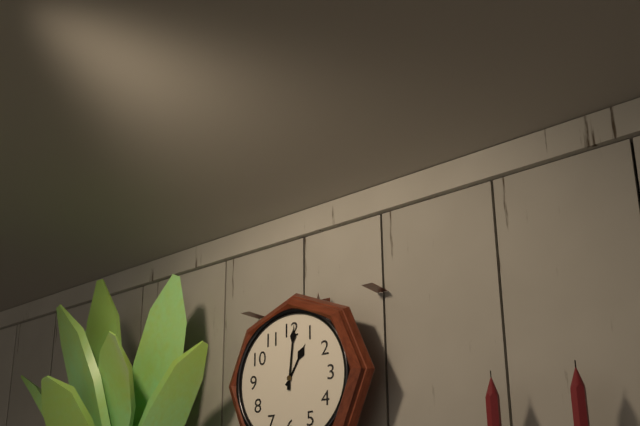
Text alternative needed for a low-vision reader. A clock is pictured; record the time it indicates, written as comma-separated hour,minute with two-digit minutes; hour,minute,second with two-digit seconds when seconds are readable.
1,01
